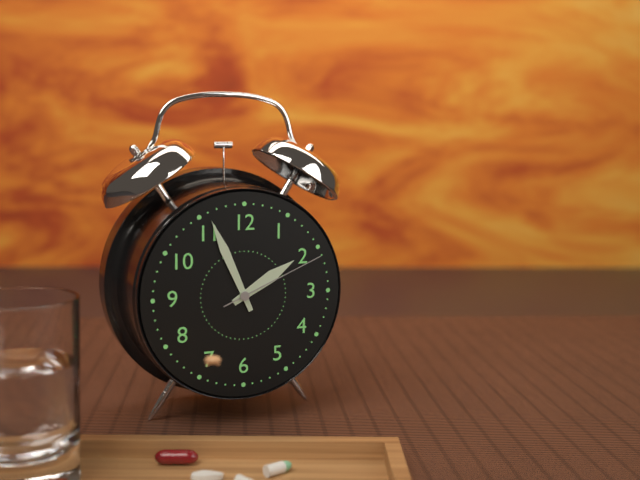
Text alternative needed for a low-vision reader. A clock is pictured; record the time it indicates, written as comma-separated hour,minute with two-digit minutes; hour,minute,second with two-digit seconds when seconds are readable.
1,56,11
